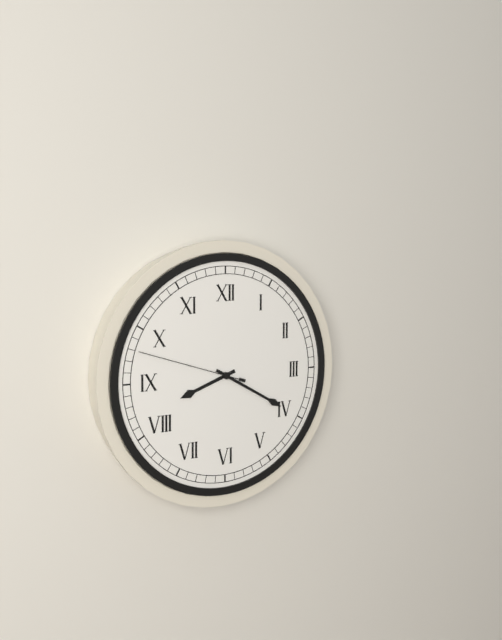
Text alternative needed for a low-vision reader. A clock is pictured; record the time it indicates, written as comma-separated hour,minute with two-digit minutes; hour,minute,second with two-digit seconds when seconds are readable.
8,20,48
